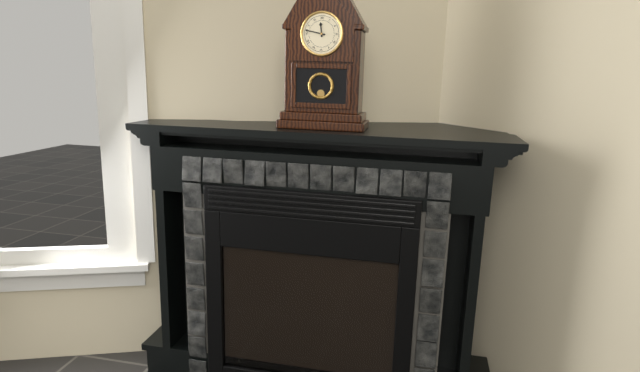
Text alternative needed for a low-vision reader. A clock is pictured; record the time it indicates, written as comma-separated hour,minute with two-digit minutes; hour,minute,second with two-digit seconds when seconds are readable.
11,47
